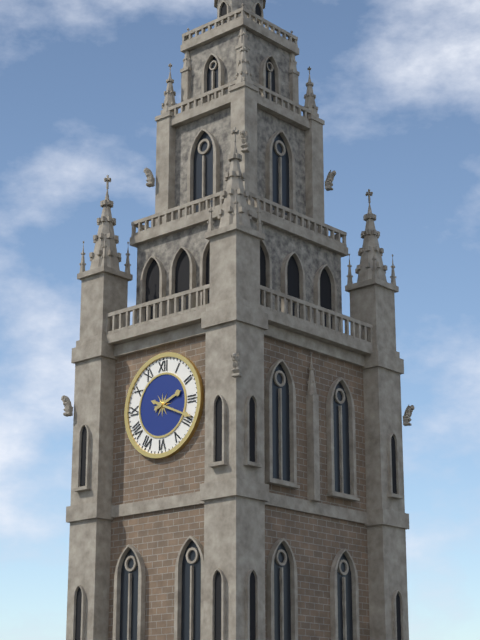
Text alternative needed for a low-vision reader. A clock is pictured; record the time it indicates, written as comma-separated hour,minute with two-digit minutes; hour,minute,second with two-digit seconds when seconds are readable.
2,19
